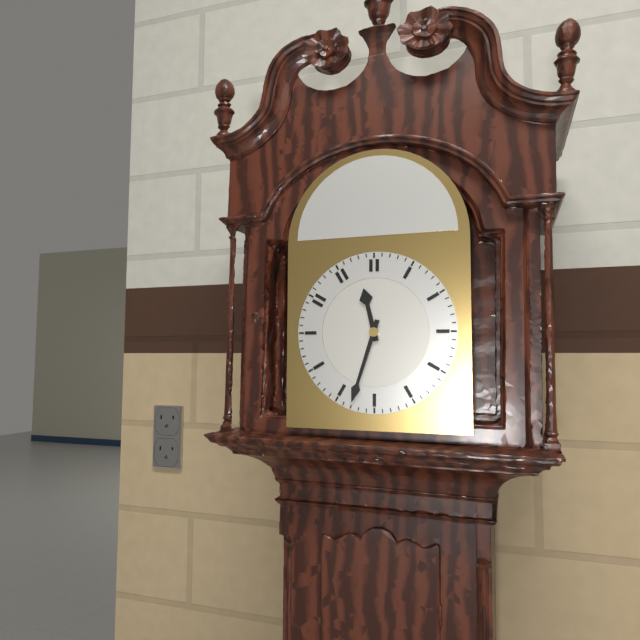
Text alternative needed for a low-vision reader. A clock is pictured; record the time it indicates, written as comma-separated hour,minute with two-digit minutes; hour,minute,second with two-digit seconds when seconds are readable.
11,33
